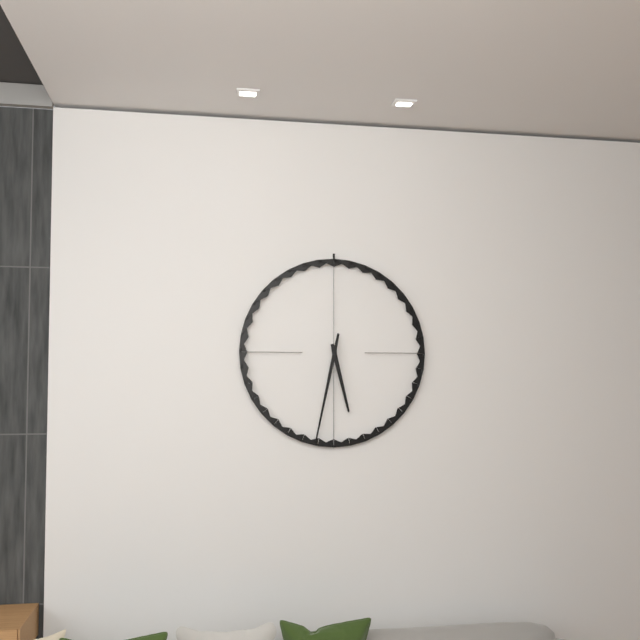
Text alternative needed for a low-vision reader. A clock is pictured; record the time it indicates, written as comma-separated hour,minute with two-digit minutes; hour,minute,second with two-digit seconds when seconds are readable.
5,32
